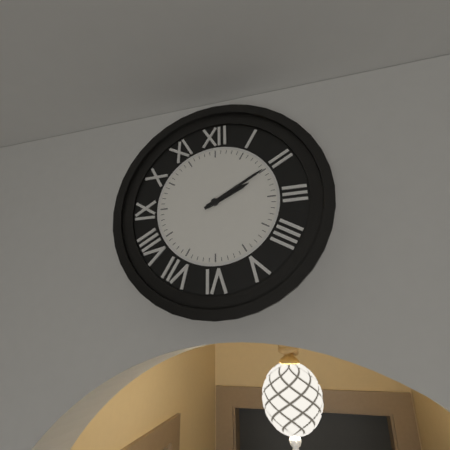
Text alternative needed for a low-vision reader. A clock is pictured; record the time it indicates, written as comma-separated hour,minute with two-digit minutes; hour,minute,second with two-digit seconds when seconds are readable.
2,10
